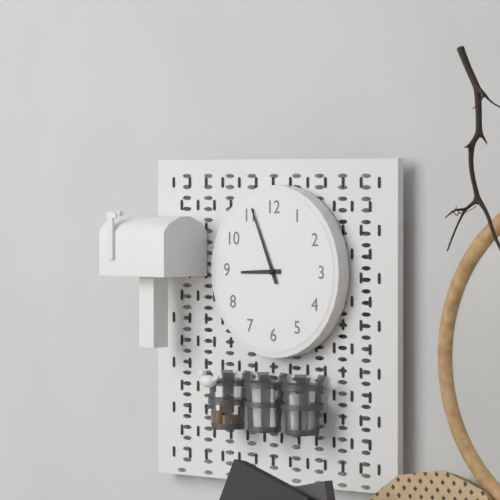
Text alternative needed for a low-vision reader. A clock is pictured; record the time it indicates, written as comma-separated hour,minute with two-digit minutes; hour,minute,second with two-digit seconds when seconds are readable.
8,56
